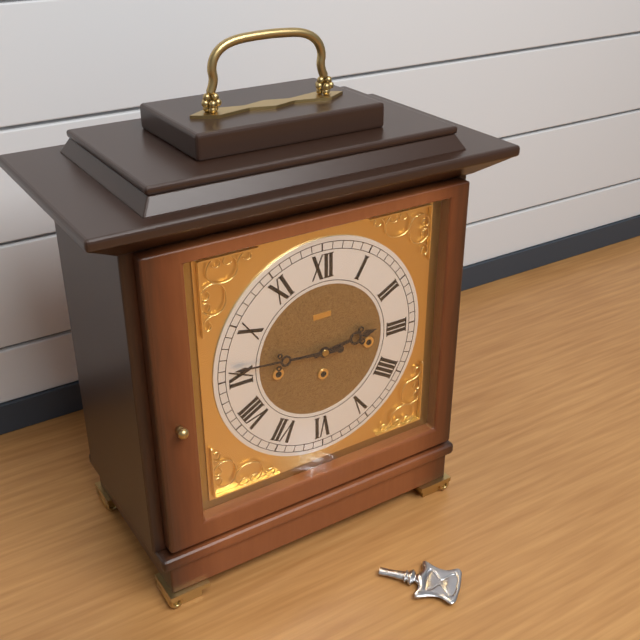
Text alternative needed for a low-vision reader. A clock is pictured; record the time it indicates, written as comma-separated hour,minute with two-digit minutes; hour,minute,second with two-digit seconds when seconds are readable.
2,46
